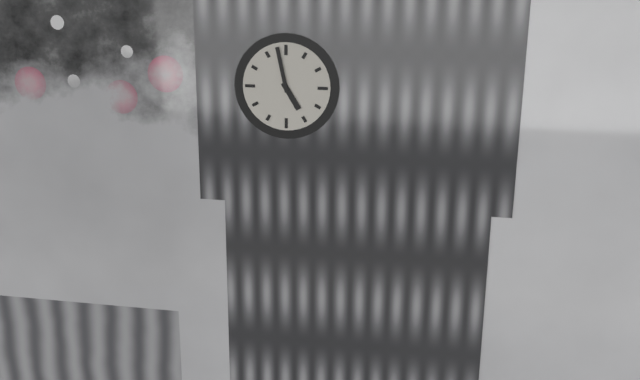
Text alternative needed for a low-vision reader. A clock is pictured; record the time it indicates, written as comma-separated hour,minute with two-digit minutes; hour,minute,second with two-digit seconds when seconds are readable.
4,58
